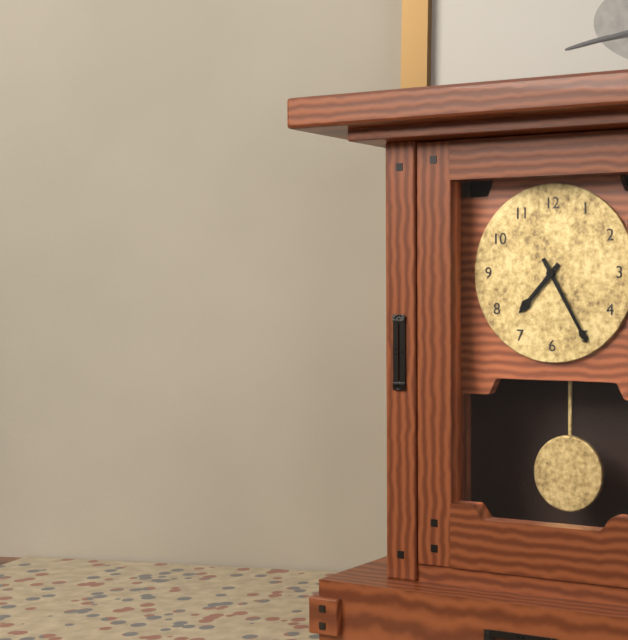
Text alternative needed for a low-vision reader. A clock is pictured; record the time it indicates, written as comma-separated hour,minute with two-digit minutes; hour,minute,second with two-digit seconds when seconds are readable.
7,25
